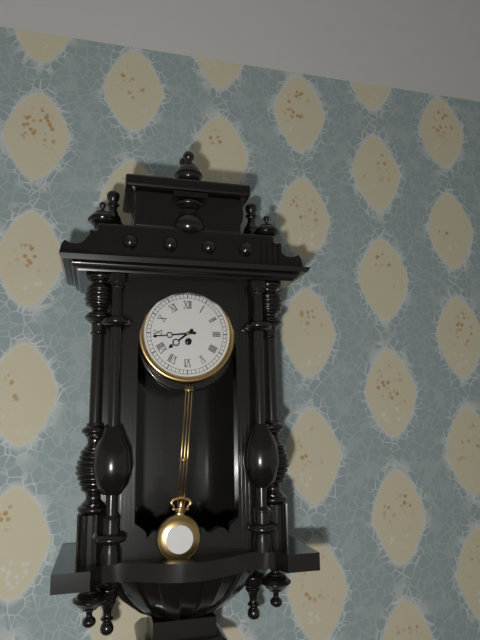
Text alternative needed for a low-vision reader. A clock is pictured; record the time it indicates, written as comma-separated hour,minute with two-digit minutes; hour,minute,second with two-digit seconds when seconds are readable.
7,44
